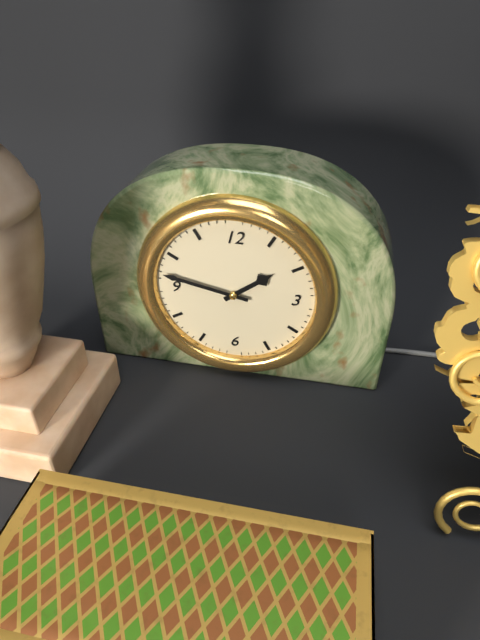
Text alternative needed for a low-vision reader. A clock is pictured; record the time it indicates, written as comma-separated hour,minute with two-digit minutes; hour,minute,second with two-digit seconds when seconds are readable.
1,47
